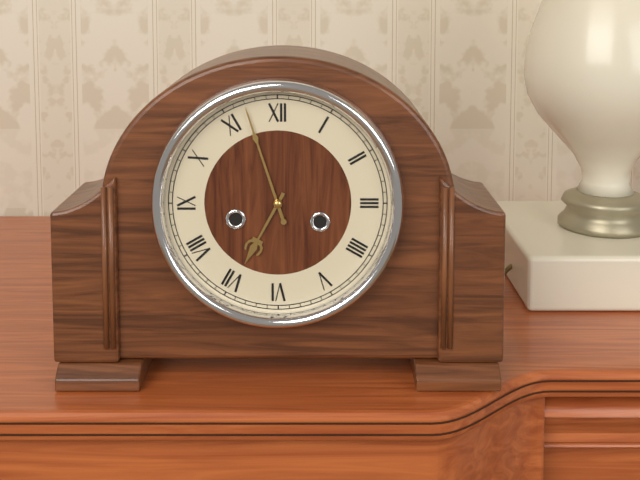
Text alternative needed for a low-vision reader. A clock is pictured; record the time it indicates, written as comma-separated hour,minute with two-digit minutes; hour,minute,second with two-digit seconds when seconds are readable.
6,57
